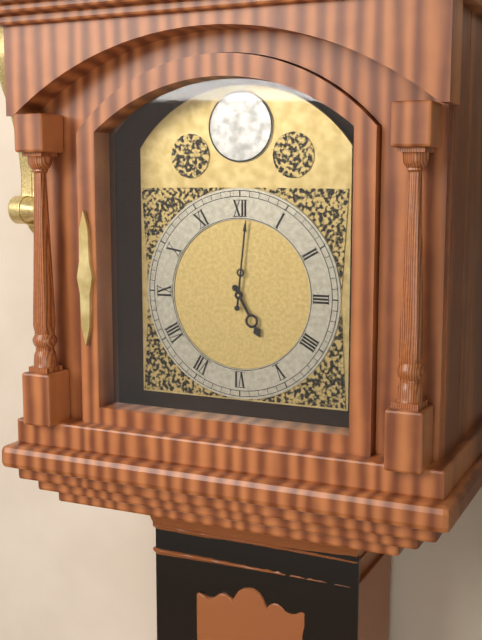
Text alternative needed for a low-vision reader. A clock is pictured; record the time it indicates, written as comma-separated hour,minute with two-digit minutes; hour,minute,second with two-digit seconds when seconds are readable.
5,01
